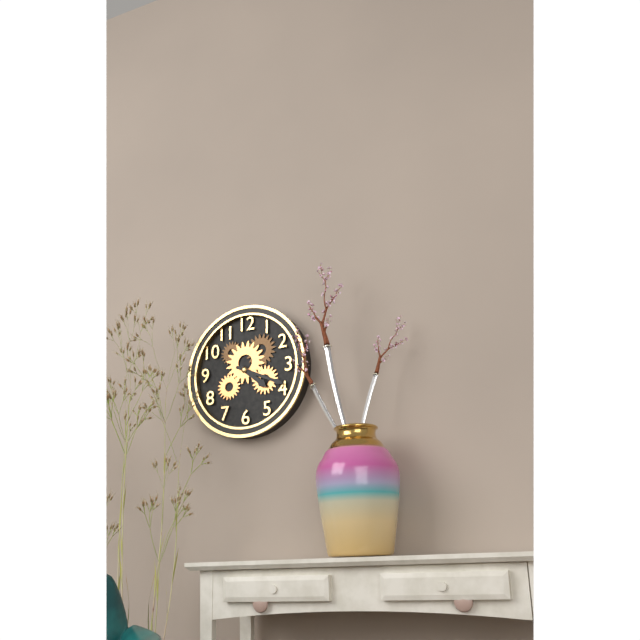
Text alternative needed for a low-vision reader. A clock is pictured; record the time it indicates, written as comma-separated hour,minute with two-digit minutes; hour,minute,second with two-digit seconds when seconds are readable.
4,19
